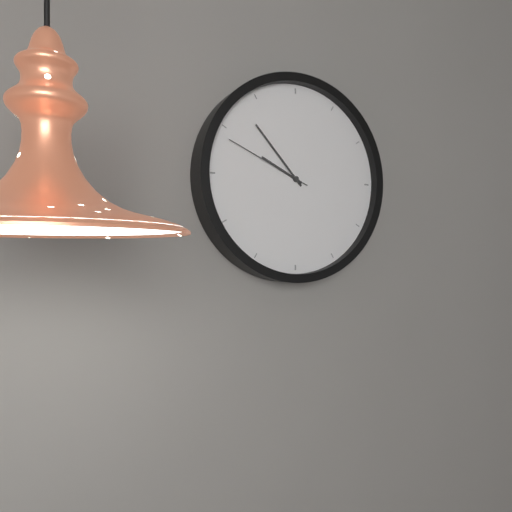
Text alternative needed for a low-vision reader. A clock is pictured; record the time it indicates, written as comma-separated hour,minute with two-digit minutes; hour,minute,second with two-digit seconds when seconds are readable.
9,53,49
